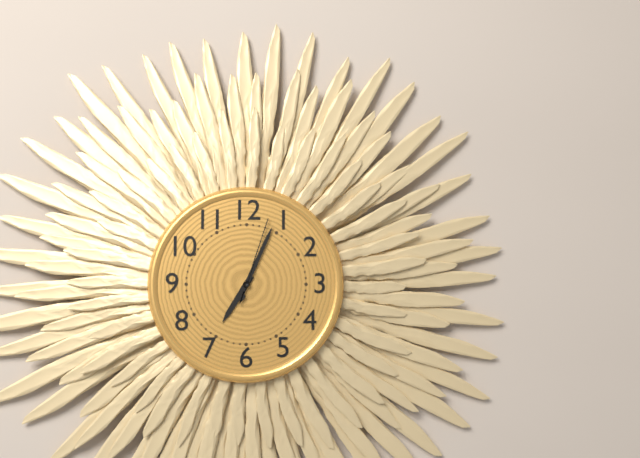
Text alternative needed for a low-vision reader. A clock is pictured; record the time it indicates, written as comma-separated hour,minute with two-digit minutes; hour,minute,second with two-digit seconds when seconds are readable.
7,04,03
